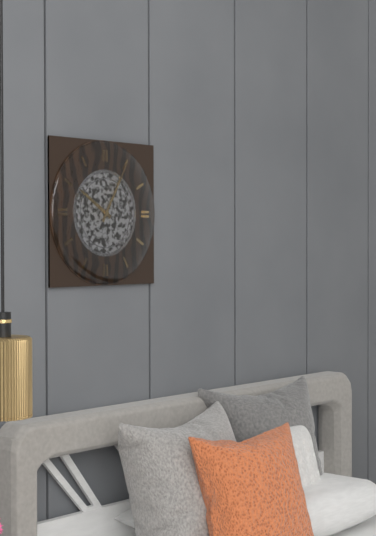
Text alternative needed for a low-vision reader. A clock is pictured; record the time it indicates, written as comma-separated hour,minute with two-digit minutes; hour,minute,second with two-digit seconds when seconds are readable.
10,05
